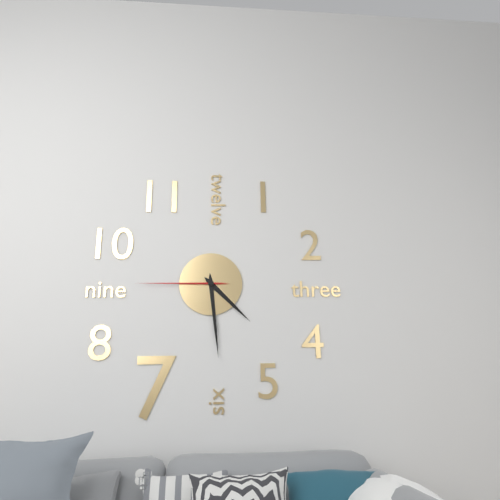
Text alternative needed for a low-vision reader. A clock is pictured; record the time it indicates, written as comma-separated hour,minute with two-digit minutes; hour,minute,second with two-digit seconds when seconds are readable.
4,29,45
